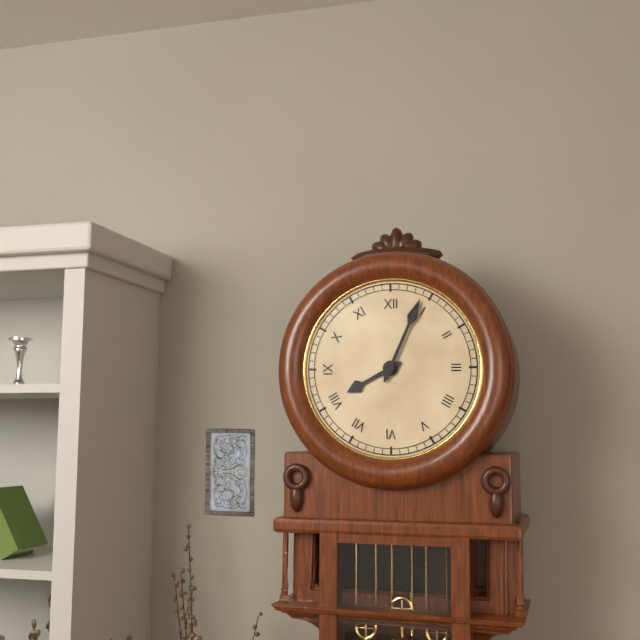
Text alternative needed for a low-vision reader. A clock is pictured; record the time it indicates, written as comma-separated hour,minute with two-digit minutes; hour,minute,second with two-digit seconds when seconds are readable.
8,04
